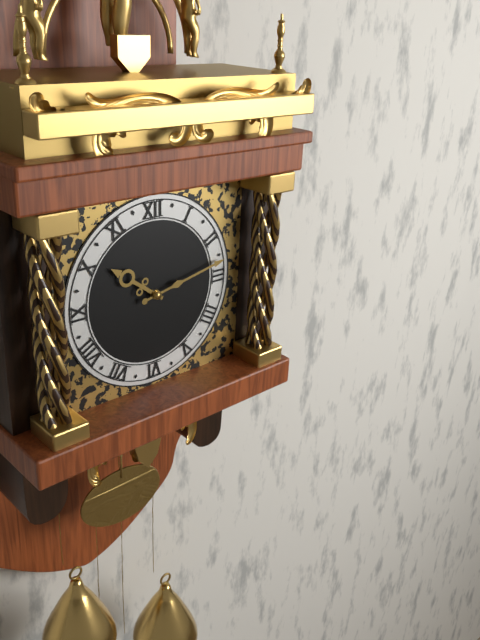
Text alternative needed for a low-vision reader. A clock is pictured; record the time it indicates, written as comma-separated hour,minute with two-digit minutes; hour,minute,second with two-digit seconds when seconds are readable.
10,13
